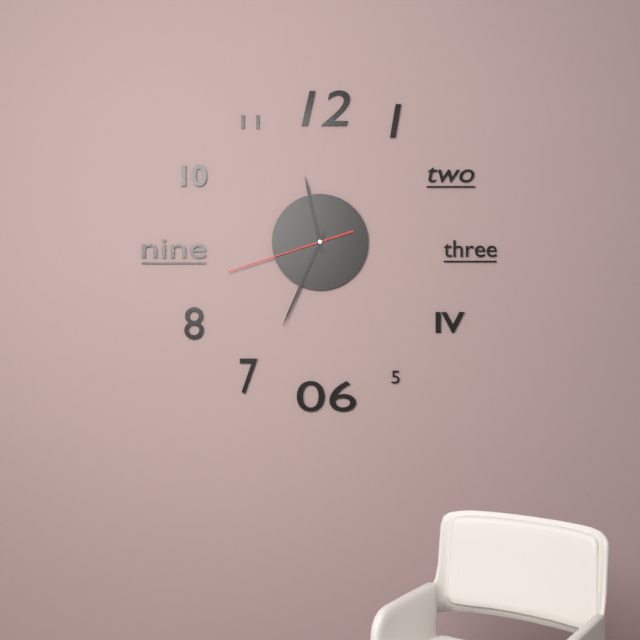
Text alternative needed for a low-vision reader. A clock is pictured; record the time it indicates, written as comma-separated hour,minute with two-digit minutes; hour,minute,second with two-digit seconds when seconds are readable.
11,34,42
